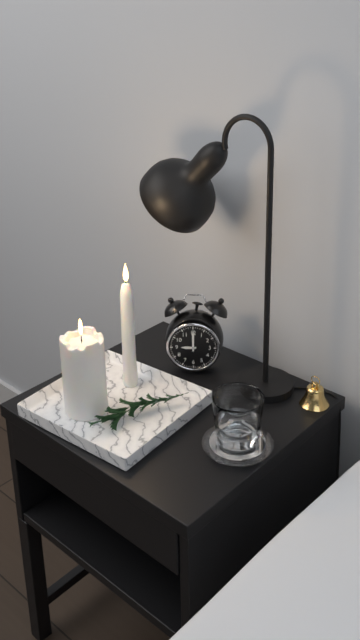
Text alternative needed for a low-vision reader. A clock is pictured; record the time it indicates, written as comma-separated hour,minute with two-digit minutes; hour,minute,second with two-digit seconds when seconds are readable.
9,00
